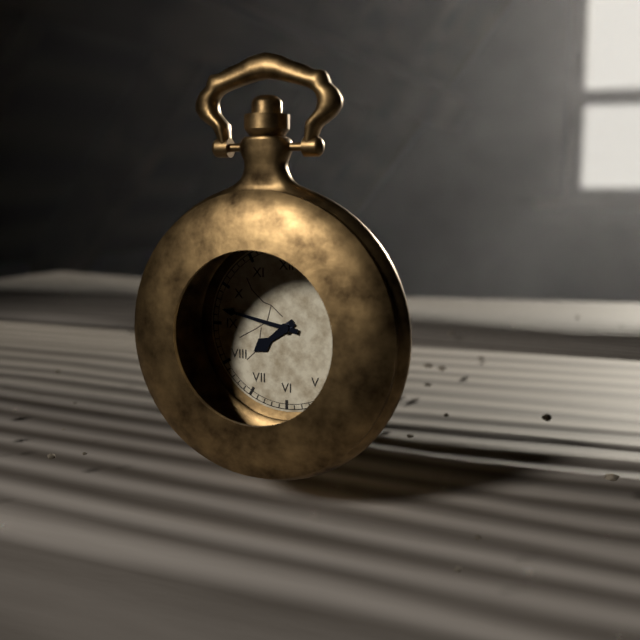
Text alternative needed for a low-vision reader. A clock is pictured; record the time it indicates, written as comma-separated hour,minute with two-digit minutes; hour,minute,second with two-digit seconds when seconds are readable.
7,47
